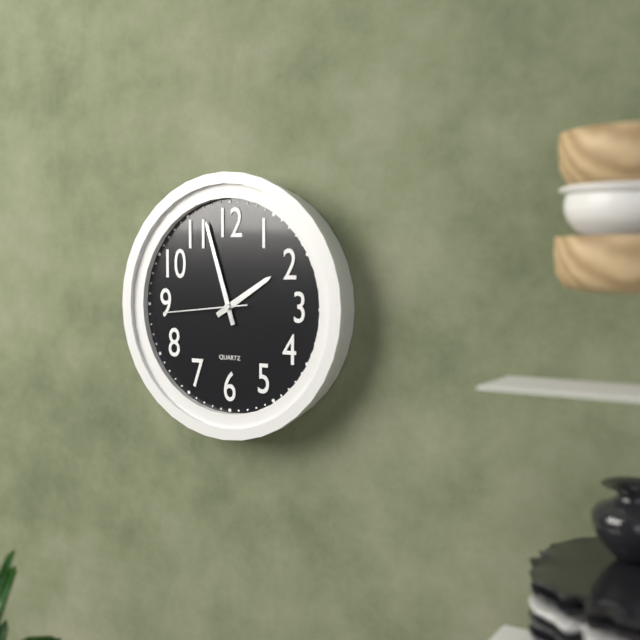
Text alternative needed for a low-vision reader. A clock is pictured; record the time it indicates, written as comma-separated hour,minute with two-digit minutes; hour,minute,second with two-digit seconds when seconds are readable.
1,57,44
